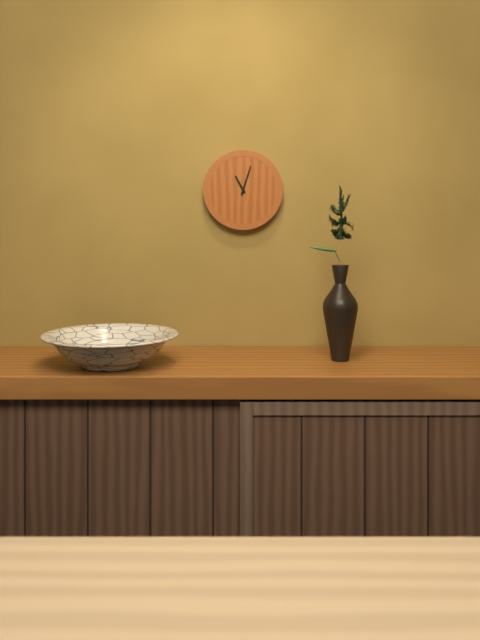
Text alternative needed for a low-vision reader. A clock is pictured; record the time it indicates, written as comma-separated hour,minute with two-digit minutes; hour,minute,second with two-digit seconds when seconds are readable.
11,03
